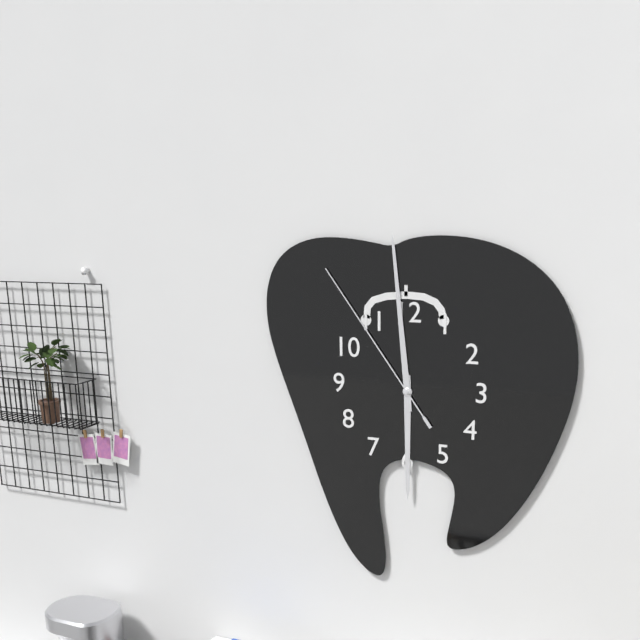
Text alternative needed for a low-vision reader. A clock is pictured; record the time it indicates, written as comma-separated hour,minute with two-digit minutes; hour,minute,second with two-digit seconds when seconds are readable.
5,59,54
